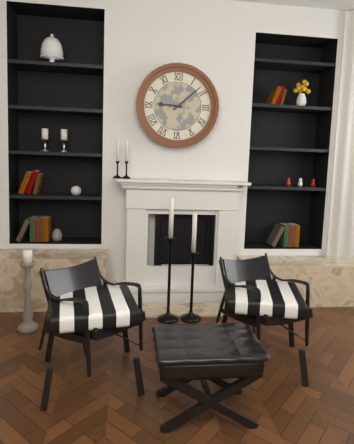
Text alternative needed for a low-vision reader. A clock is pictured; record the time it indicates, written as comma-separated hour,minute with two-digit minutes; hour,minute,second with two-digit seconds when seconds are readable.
9,08
